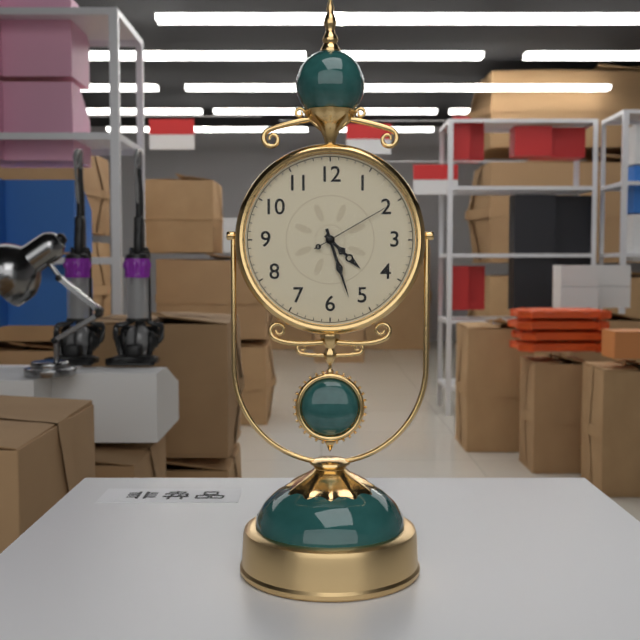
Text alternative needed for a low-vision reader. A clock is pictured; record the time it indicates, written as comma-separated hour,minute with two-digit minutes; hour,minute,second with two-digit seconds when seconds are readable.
4,27,10
